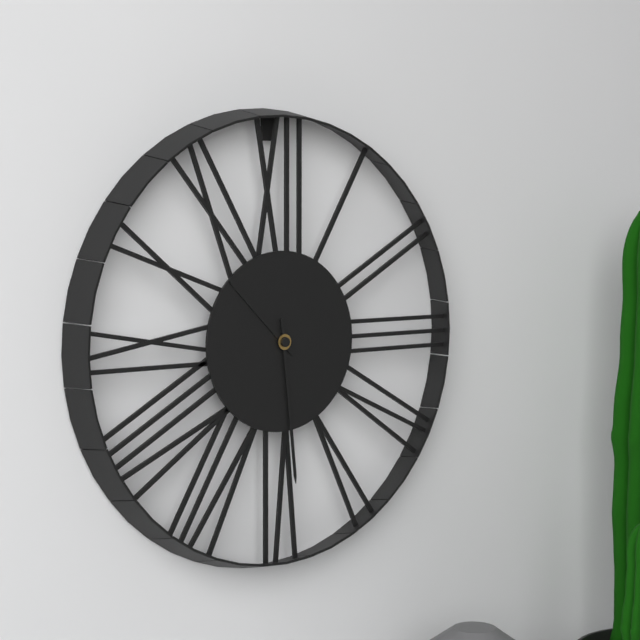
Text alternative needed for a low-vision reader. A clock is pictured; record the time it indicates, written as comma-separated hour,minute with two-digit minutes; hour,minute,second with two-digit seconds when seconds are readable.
10,29
